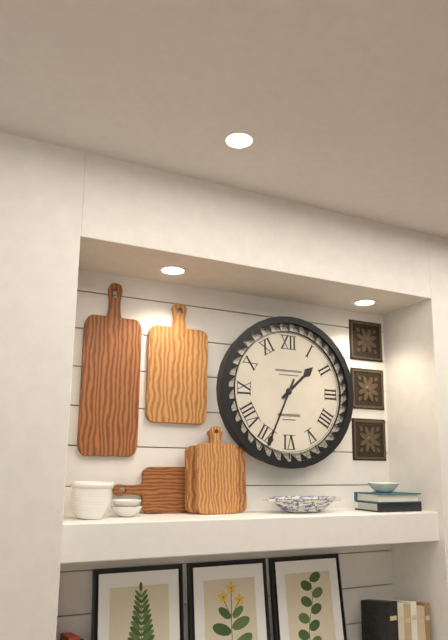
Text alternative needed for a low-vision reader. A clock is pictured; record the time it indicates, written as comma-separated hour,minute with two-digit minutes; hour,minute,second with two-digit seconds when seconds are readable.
1,34
